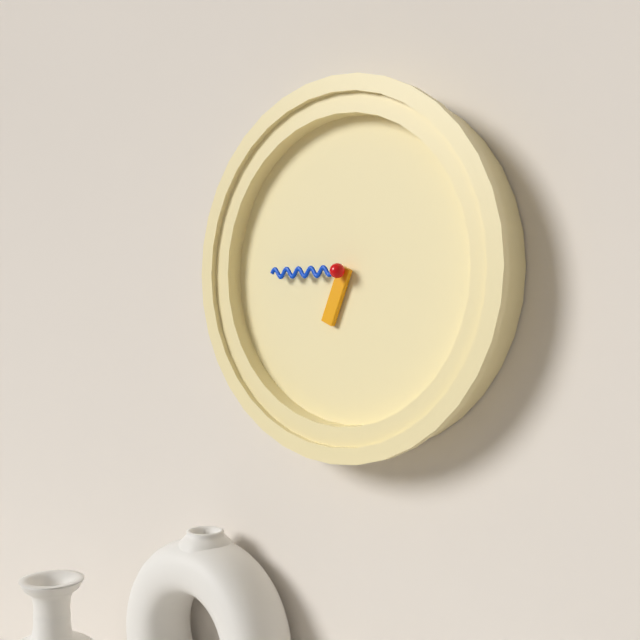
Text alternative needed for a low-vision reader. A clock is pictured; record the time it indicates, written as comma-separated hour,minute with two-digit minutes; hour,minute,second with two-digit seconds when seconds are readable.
6,45
